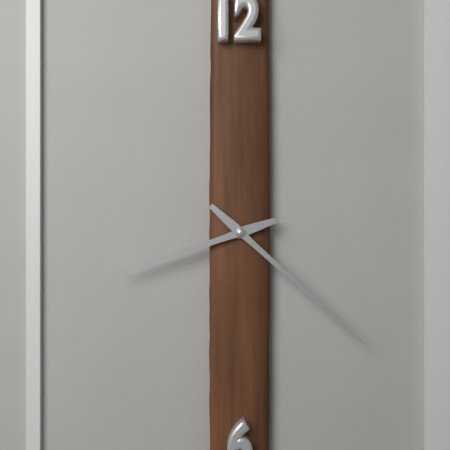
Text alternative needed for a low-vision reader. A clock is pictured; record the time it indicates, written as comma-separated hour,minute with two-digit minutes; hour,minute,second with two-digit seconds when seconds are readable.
8,22
